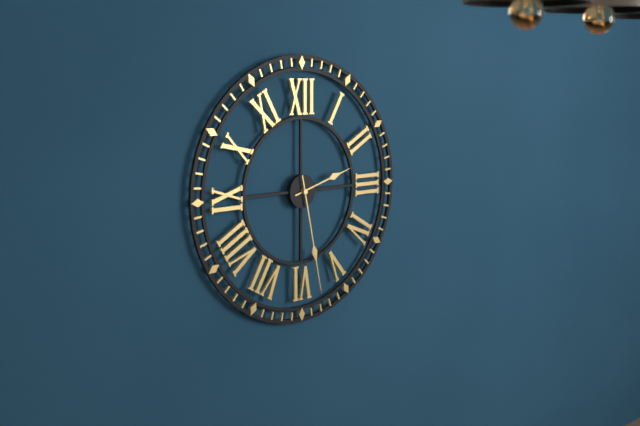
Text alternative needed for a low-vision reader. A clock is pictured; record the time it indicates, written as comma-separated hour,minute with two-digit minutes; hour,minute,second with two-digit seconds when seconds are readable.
2,28
